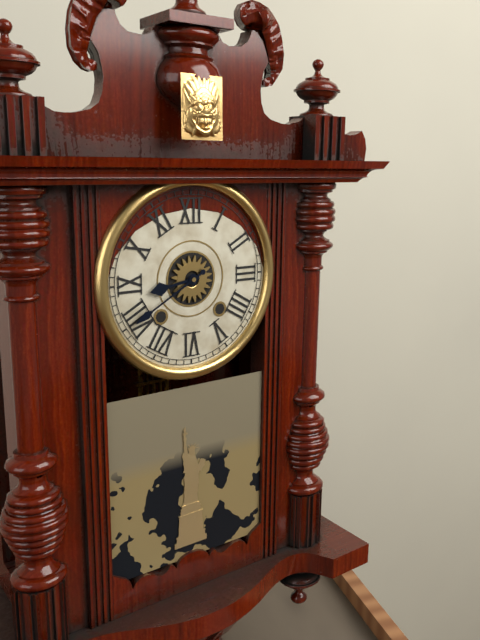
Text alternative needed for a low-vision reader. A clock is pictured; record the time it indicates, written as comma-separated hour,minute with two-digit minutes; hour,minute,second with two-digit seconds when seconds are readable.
8,40
